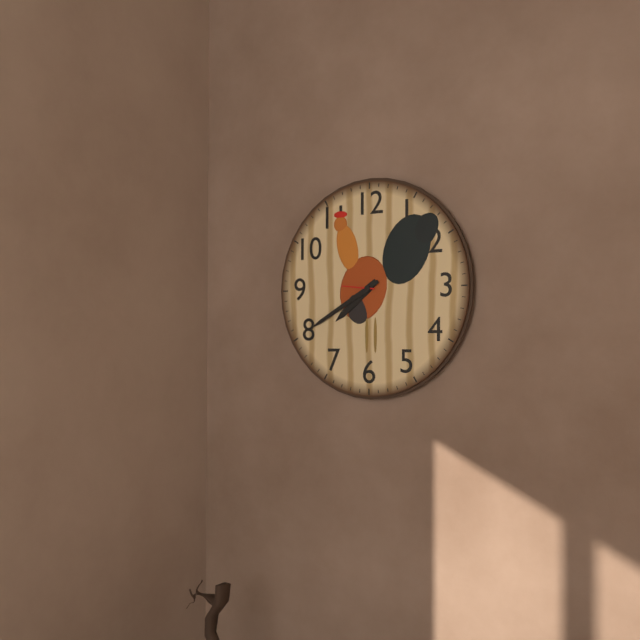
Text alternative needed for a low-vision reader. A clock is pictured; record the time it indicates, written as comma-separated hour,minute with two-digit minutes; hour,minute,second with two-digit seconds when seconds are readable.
7,40
